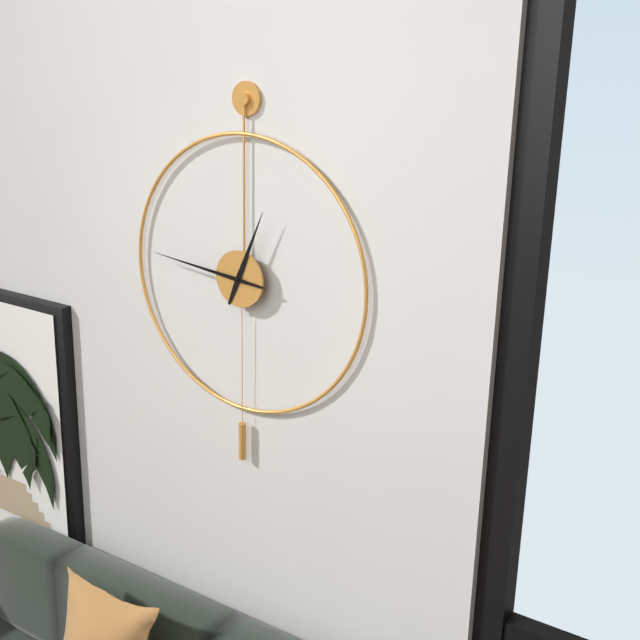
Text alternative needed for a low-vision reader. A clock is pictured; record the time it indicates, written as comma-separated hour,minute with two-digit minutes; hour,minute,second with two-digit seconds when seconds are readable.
12,46
